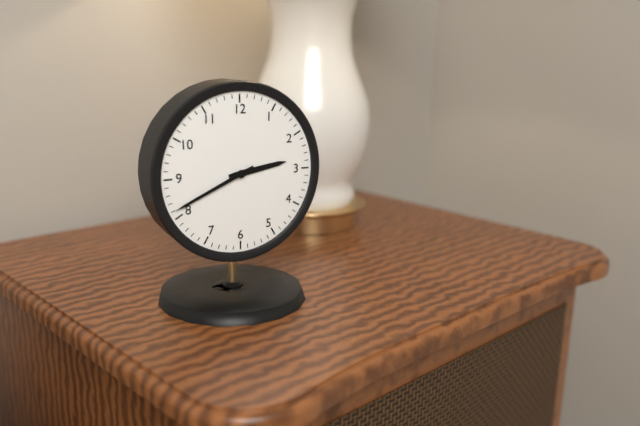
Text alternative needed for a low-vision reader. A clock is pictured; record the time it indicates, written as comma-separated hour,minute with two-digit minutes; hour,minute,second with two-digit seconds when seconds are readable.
2,41
